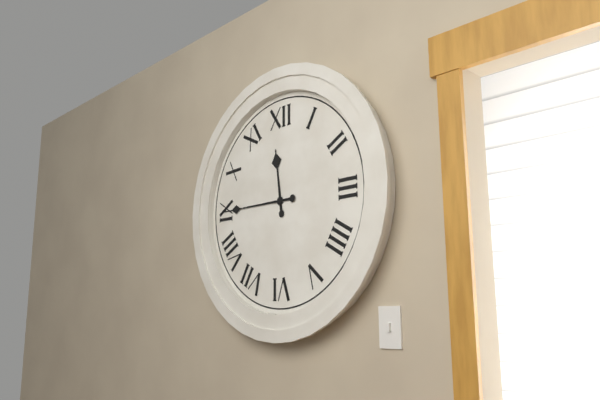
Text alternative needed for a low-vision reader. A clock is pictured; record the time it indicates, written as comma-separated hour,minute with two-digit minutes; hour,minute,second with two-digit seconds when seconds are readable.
11,45
